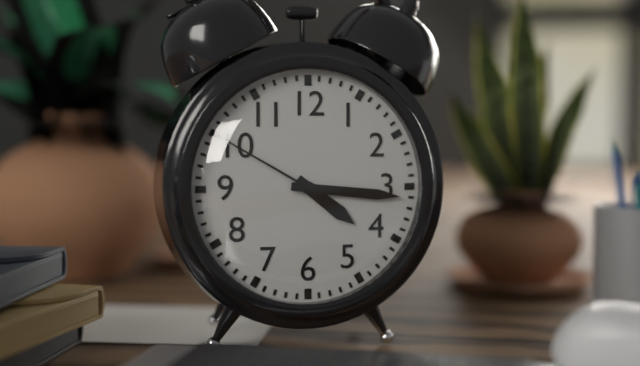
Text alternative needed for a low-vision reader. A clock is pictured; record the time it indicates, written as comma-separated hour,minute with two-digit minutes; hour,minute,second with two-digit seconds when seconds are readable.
4,16,50
